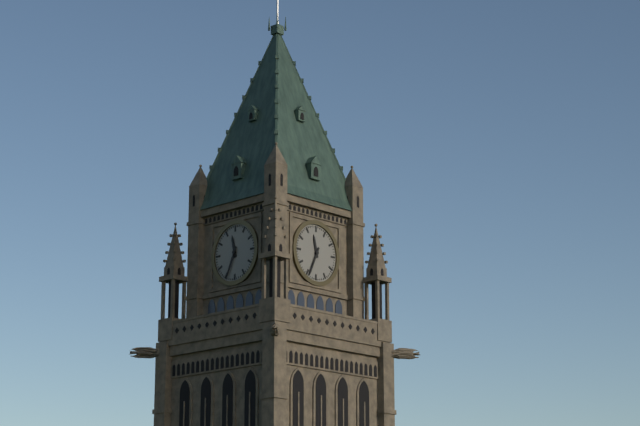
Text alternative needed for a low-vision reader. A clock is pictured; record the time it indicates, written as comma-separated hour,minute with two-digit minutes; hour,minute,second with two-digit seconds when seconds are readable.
11,34
